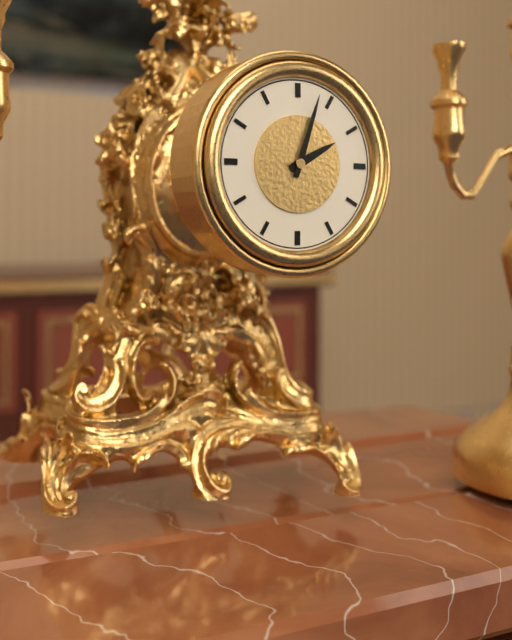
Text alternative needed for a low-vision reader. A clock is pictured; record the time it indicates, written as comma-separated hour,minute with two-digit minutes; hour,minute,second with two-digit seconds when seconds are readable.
2,03
